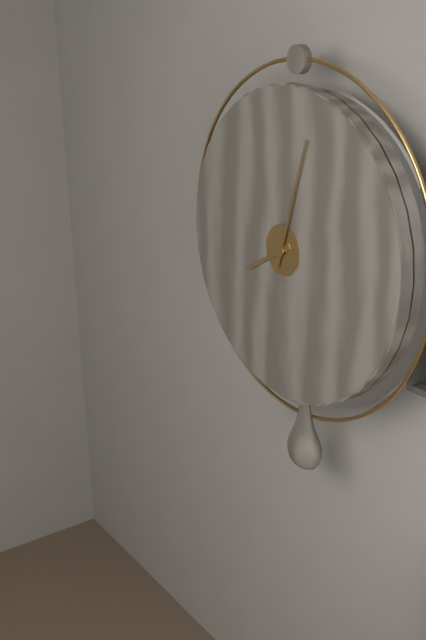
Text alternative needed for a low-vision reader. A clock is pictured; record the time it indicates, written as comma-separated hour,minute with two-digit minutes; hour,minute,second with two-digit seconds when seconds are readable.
8,03
